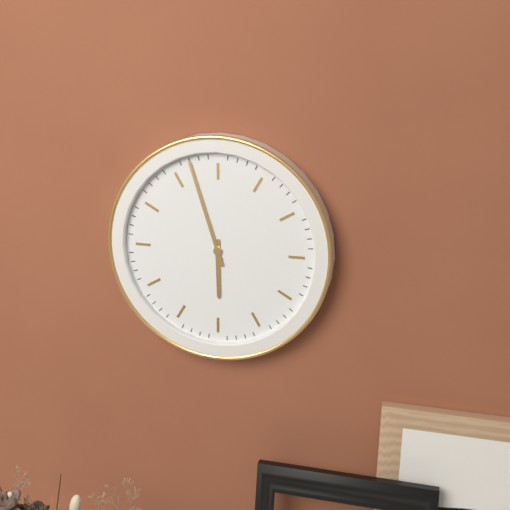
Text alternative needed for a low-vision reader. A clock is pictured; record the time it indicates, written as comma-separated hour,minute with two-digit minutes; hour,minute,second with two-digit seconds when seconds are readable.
5,57
